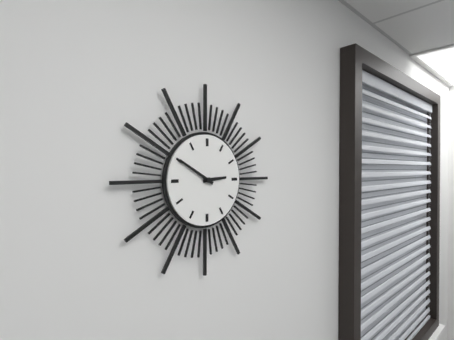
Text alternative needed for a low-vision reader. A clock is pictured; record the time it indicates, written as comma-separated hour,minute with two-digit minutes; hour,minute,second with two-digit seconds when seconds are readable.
2,50
